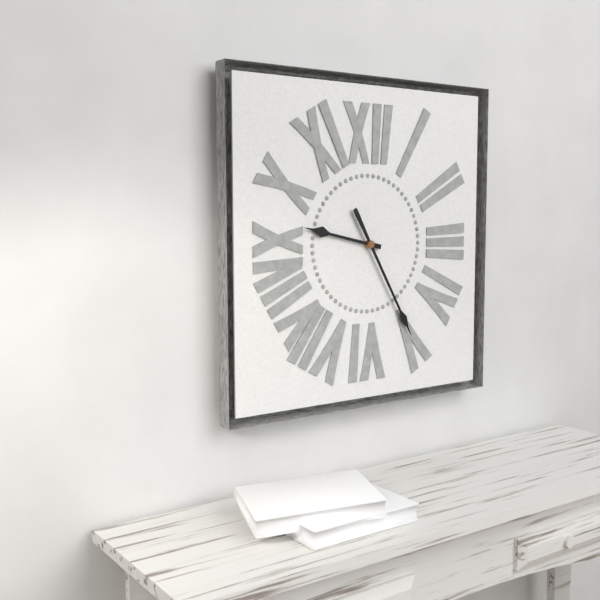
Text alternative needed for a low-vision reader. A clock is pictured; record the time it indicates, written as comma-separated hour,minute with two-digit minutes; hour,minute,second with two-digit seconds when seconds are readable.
9,25
